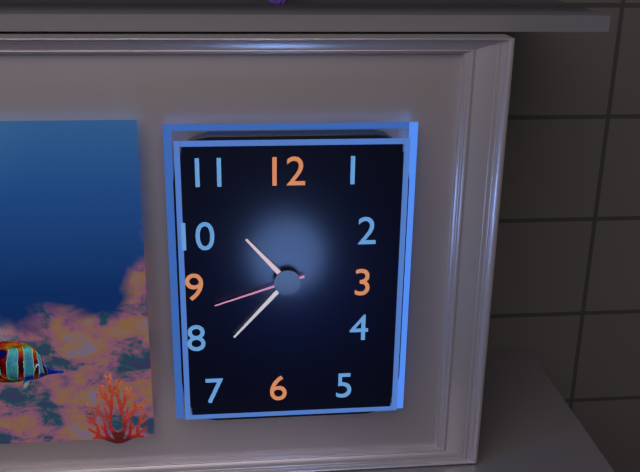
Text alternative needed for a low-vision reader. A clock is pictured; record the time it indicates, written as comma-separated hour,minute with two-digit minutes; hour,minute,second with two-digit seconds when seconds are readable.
10,37,42
